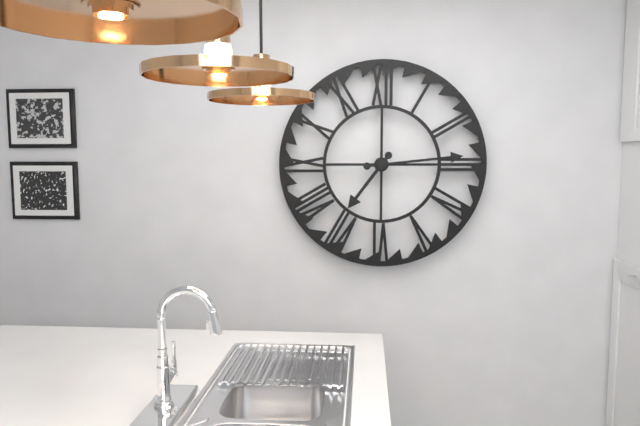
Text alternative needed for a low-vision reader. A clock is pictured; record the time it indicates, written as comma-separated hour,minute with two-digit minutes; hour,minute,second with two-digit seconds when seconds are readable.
7,14
